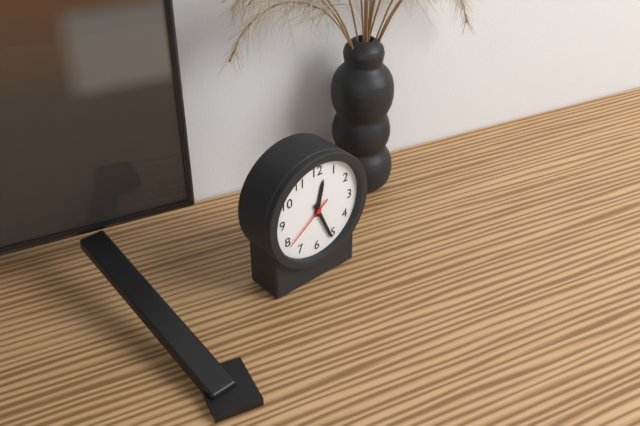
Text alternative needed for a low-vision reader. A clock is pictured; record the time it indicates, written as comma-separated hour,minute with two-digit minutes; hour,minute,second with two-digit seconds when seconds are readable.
12,26,39
